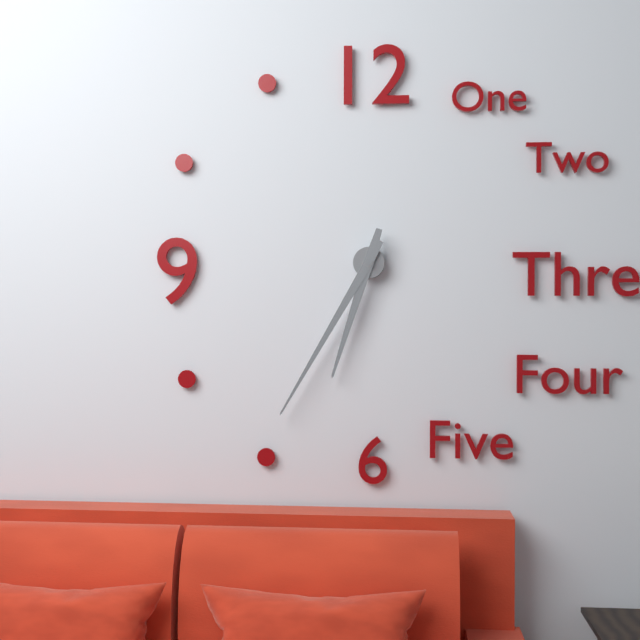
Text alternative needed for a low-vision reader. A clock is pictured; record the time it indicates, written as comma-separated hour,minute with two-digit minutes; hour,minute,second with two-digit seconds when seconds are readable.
6,35
